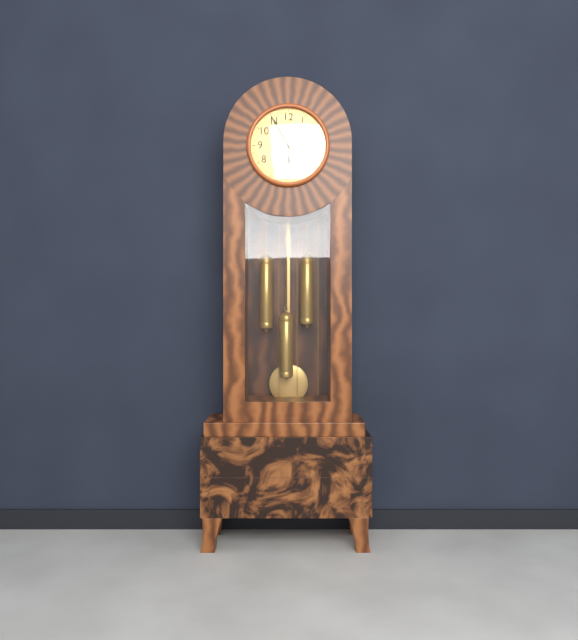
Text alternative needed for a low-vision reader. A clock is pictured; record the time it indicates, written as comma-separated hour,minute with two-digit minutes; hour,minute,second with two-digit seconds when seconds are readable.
5,55
